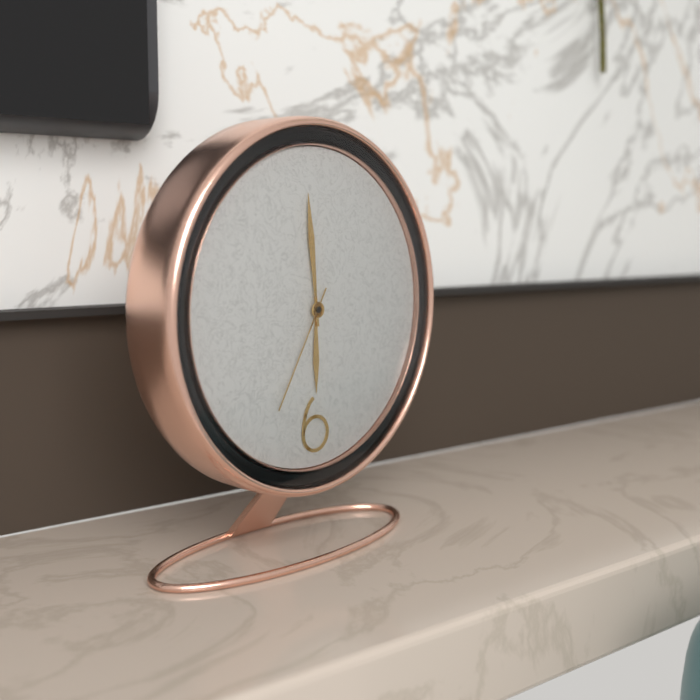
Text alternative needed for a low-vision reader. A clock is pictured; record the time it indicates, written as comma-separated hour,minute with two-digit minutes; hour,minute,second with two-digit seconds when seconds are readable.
5,59,35
